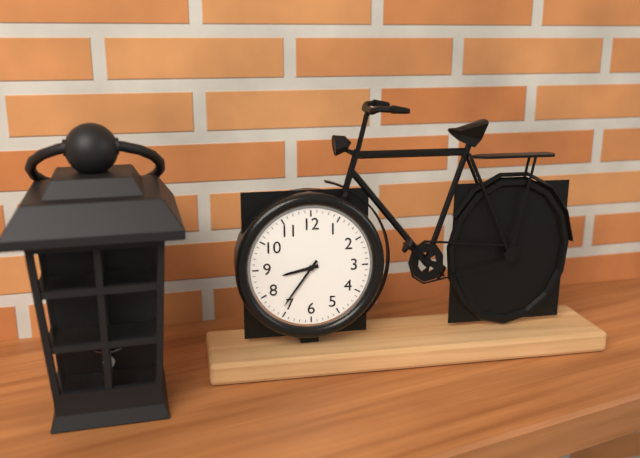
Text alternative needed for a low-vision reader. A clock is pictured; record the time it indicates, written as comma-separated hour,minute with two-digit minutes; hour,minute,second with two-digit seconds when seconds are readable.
8,36
